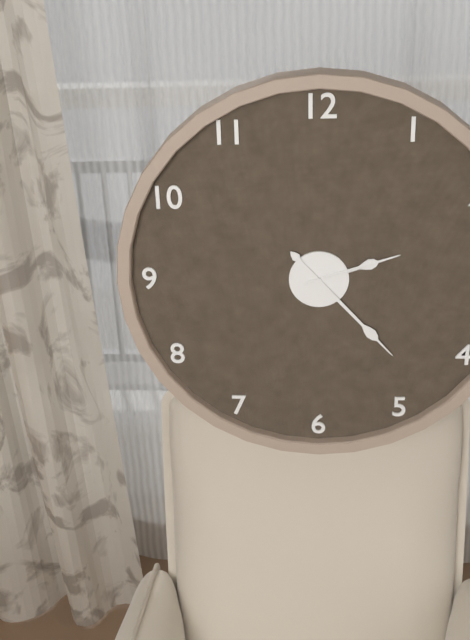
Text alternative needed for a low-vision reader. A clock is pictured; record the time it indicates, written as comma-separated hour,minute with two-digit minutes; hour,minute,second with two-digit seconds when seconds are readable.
2,23,12
